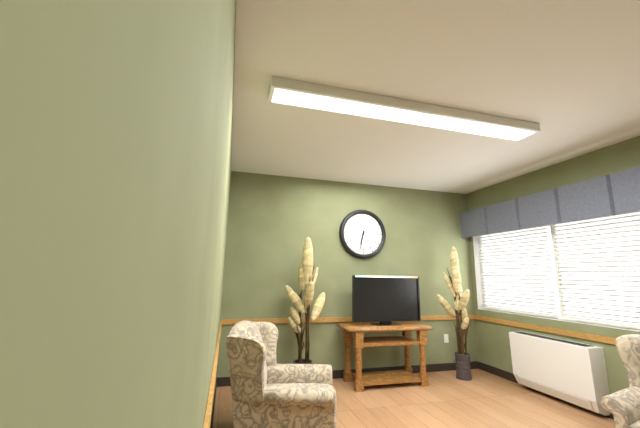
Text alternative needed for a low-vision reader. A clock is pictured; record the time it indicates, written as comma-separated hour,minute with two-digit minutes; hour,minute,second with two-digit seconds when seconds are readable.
6,32
